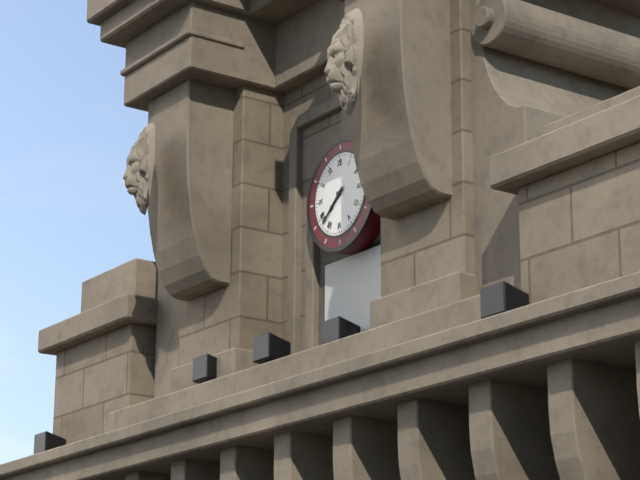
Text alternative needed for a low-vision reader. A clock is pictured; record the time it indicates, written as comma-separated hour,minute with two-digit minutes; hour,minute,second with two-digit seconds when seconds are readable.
7,38
